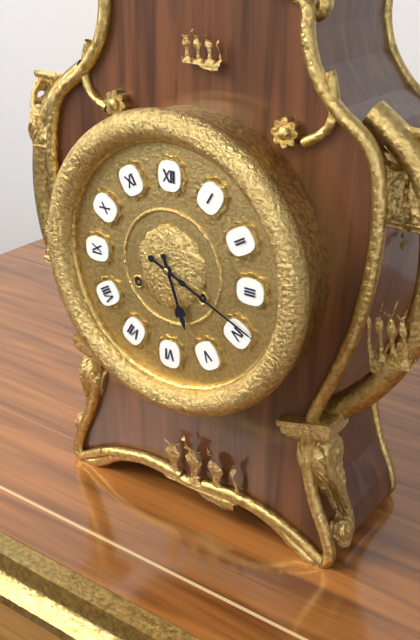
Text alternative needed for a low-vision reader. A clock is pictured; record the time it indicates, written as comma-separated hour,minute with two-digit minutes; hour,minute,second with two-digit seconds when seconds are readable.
5,19
